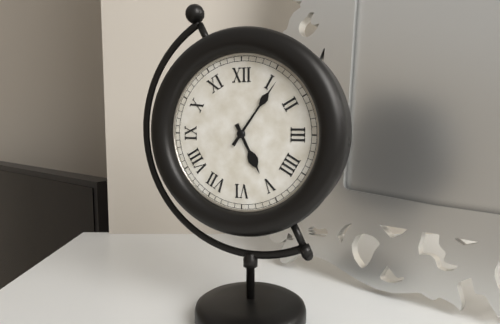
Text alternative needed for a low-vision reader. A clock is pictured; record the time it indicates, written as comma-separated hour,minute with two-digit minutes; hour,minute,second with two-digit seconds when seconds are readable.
5,06
